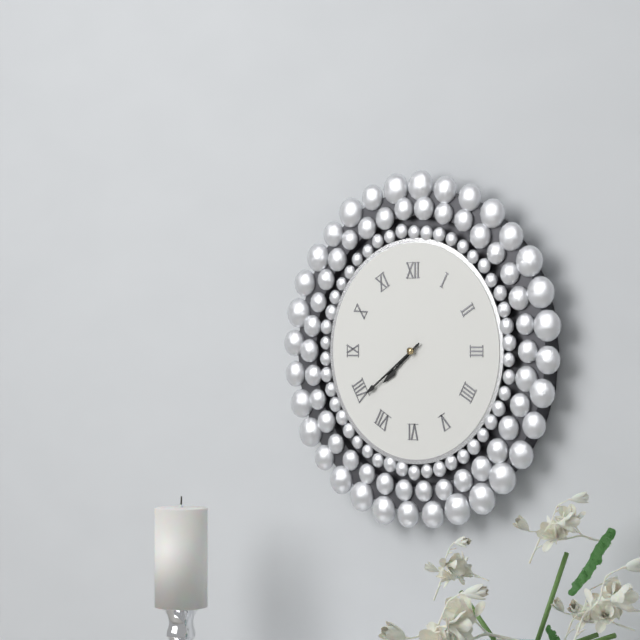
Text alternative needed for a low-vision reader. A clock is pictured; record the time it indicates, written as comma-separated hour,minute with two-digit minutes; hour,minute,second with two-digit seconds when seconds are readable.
7,39
